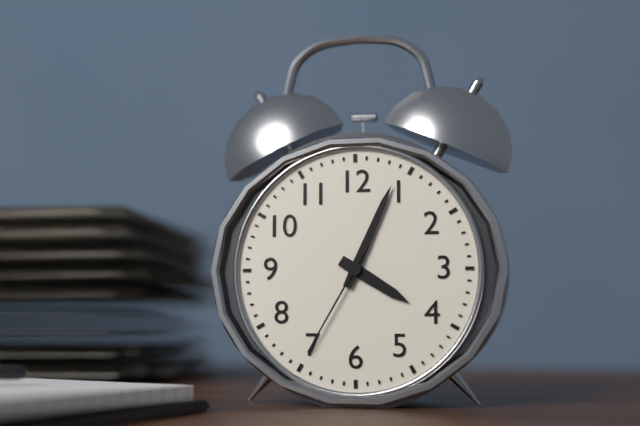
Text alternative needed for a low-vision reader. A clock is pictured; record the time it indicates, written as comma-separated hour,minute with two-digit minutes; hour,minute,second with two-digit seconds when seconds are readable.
4,04,35
